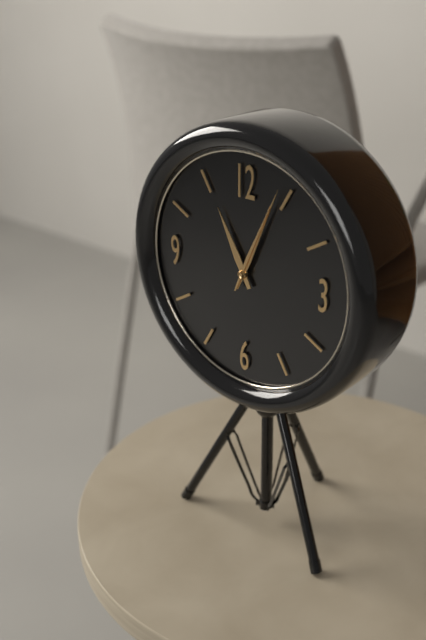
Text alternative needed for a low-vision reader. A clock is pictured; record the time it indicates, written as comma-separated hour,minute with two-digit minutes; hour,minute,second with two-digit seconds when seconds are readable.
11,04,04
